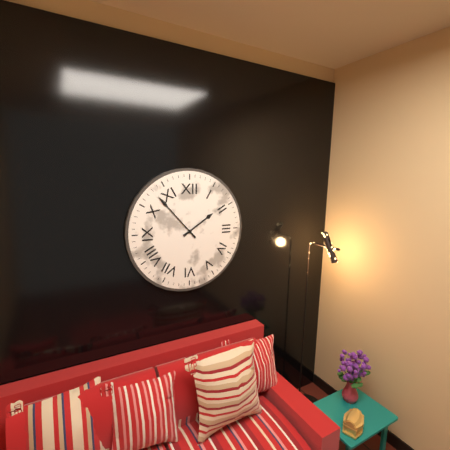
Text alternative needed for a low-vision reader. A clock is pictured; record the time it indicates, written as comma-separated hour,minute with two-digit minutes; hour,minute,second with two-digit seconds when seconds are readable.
1,53
